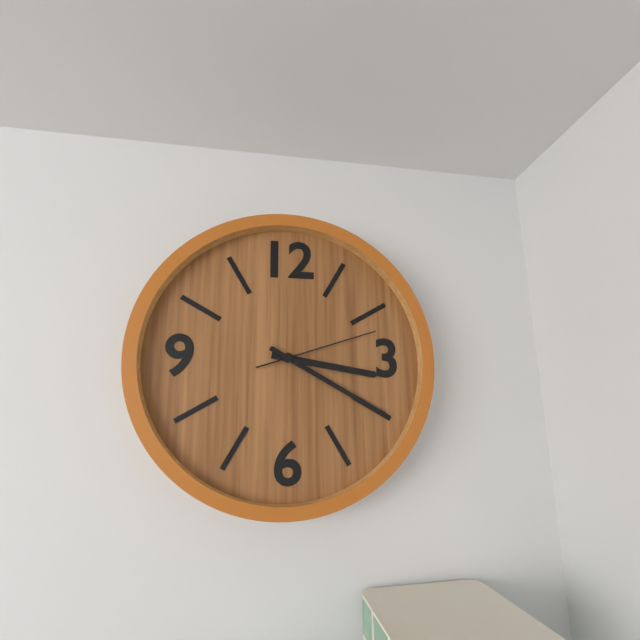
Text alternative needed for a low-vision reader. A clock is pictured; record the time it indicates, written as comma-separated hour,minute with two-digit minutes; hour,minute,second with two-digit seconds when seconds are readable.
3,20,12
